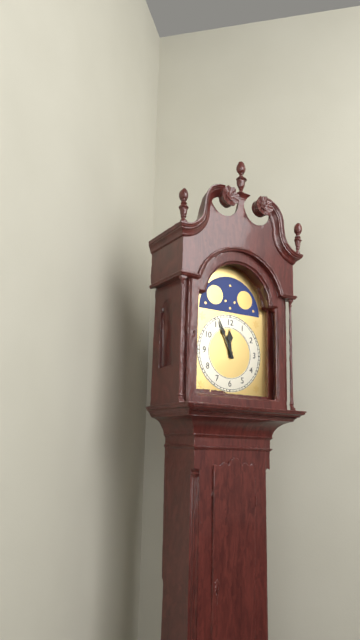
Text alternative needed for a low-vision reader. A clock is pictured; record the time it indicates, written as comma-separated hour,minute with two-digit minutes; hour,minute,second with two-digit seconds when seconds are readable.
11,56
